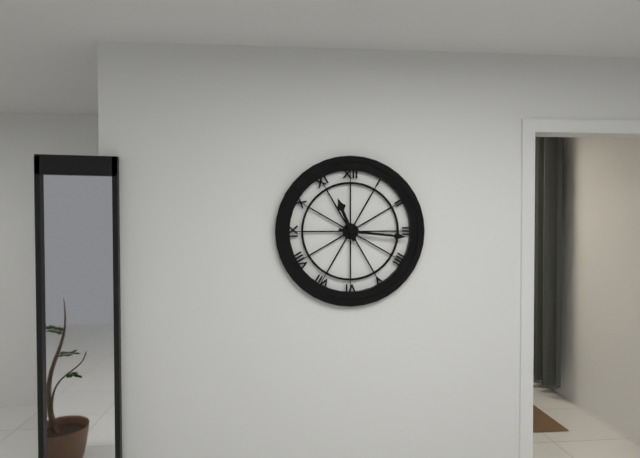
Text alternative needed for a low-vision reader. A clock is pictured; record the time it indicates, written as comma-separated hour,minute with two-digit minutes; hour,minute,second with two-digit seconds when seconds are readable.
11,16
